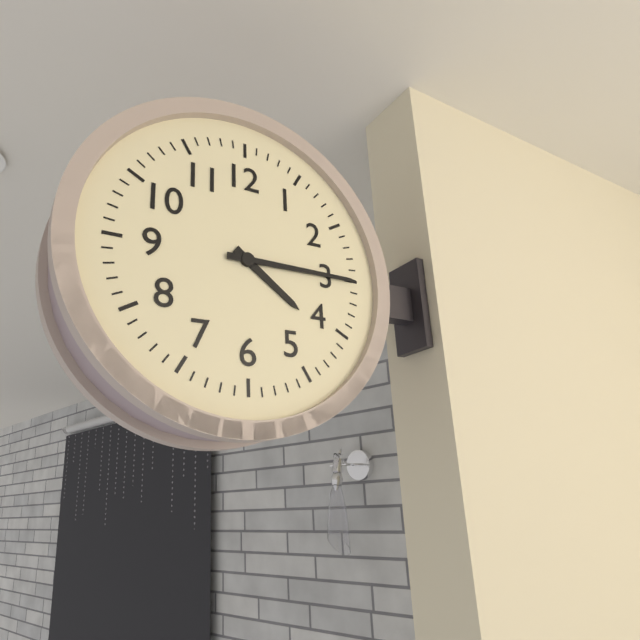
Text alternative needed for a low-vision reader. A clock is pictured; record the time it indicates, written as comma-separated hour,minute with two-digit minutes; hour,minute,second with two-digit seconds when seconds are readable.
4,15
